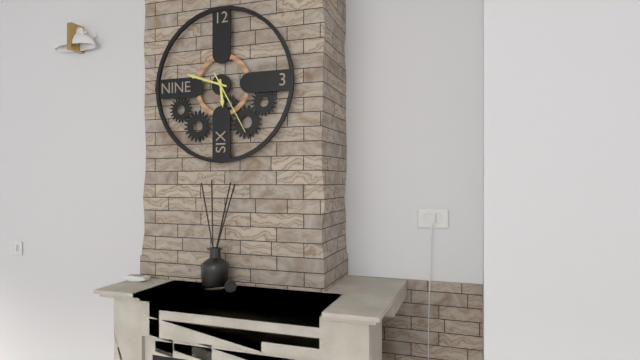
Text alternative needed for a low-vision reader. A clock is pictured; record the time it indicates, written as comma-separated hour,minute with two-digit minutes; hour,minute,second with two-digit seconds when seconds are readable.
5,48,25
